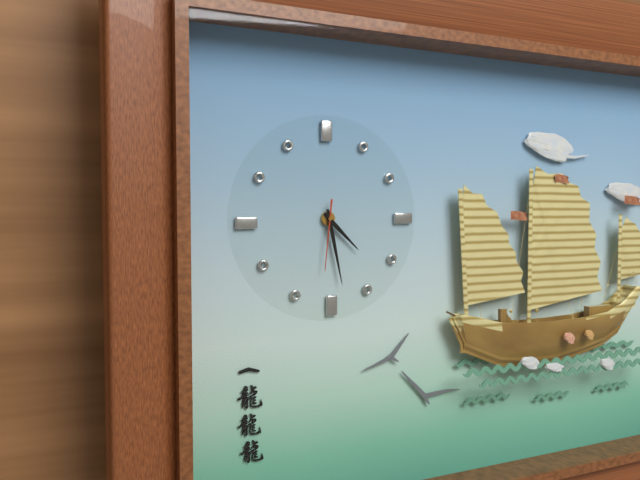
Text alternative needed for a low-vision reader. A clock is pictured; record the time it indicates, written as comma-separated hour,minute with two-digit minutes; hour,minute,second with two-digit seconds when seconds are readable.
4,28,31
